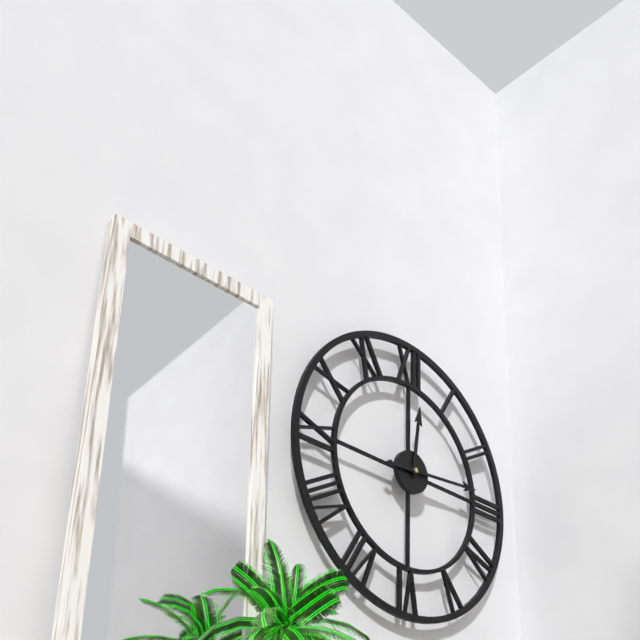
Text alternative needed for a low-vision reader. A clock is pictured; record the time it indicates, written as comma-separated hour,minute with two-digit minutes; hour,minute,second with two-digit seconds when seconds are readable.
12,14
